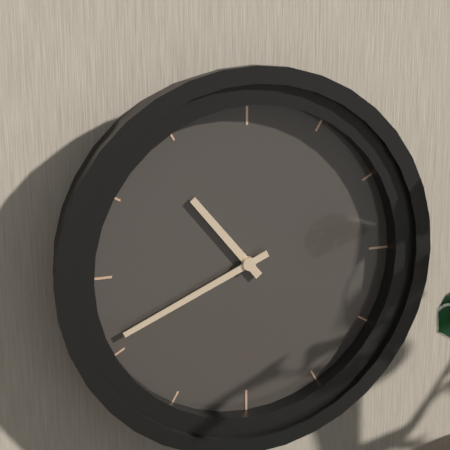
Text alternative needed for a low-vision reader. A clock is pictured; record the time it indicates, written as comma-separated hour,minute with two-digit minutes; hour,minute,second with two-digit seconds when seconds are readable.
10,41
